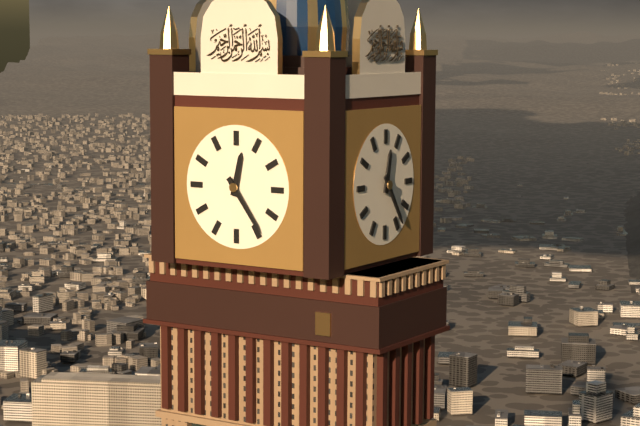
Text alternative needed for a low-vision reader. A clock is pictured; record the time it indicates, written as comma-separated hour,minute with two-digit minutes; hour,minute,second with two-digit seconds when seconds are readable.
12,24
